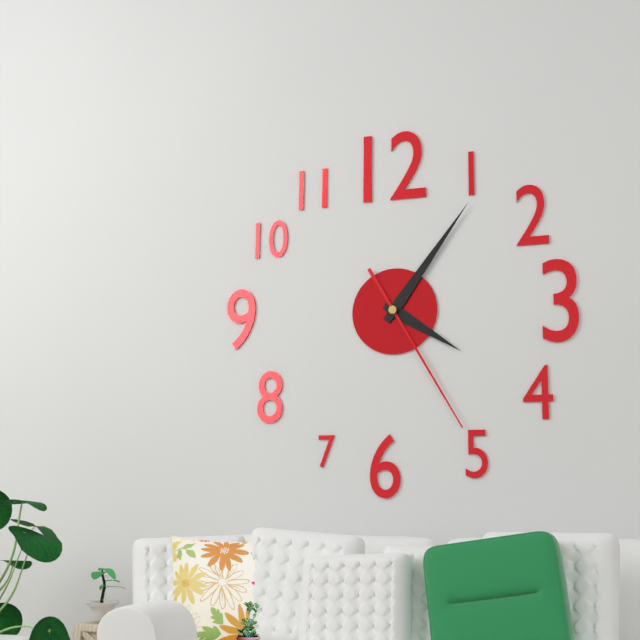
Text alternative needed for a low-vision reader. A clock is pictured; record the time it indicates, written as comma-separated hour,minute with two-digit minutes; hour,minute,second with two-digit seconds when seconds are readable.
4,06,25
